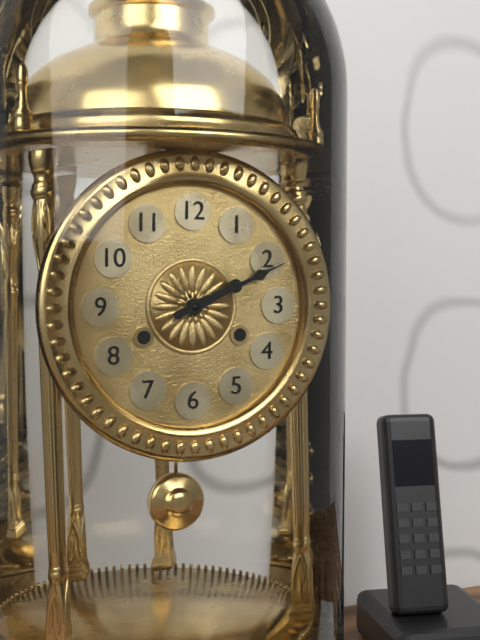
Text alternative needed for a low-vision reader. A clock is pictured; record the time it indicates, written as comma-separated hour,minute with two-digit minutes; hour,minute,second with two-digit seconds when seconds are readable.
2,11
